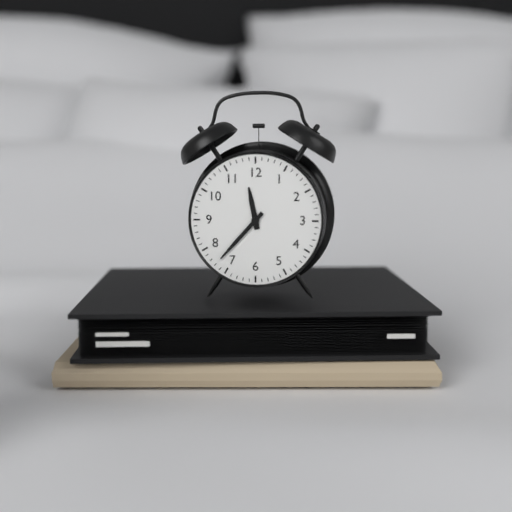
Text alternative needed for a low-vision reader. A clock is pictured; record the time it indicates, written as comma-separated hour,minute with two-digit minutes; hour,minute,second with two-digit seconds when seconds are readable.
11,37
